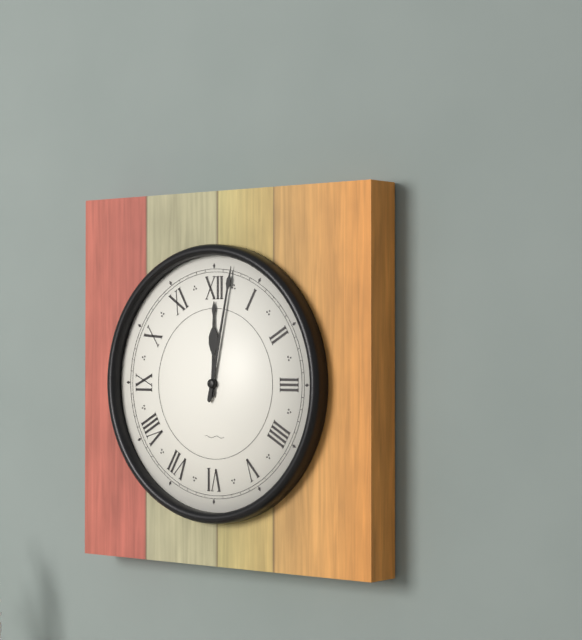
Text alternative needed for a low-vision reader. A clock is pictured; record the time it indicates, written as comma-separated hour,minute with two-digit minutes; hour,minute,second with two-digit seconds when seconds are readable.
12,02
